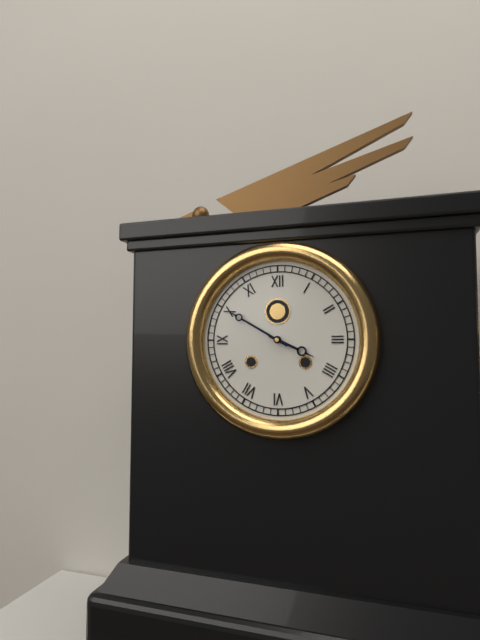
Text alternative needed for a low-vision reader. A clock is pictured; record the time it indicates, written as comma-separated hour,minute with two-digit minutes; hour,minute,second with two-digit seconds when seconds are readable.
3,50
